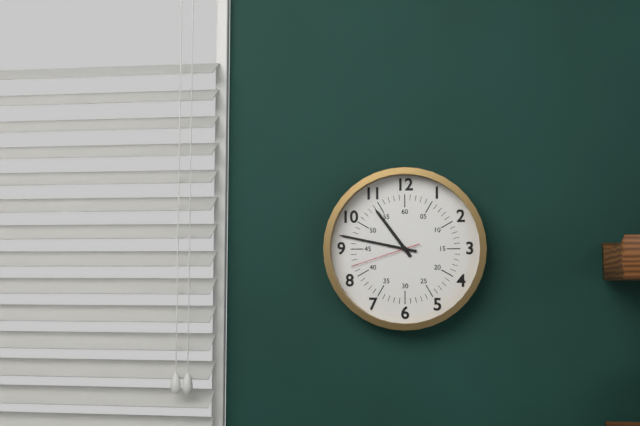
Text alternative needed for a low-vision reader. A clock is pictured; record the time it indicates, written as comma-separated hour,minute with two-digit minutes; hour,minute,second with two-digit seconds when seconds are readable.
10,47,42
